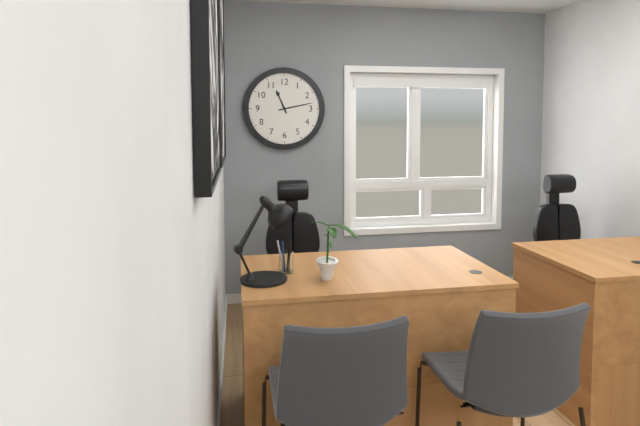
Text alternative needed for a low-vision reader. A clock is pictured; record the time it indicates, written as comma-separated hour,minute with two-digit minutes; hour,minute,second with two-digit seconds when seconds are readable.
11,13
